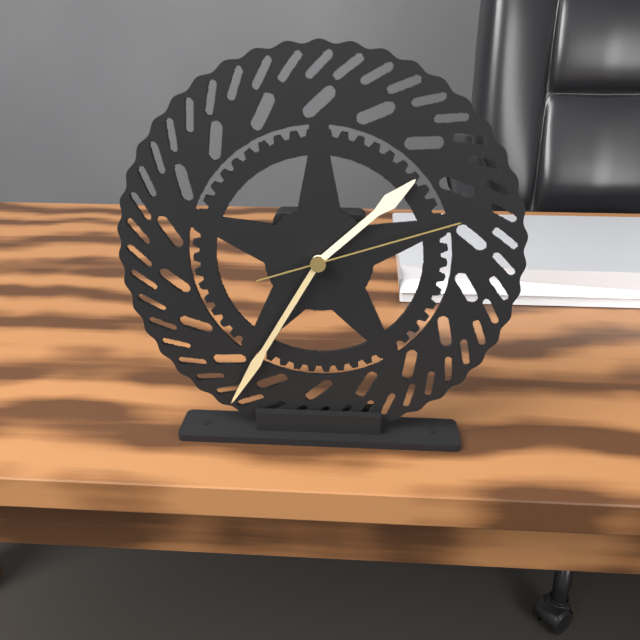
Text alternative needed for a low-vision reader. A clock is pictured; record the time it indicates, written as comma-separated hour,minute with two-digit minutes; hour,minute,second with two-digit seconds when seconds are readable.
1,35,12
